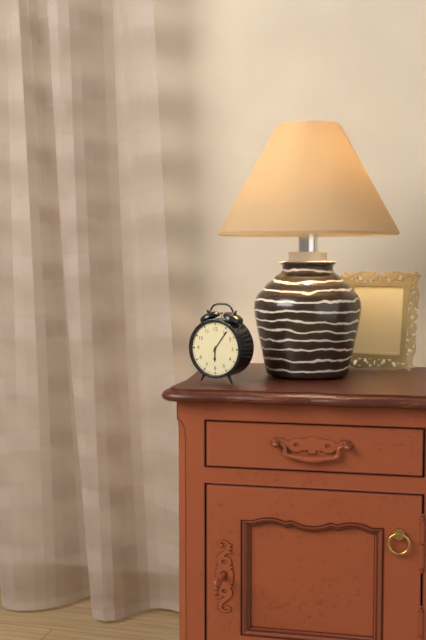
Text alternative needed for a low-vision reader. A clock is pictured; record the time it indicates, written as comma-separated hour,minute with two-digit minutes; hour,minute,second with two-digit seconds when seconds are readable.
6,06
